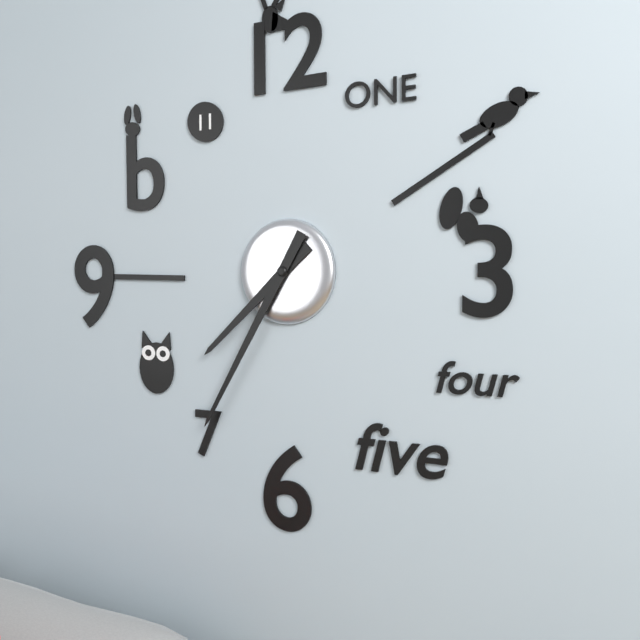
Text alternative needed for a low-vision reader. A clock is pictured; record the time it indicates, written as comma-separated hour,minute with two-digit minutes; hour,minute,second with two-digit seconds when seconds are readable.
7,35
